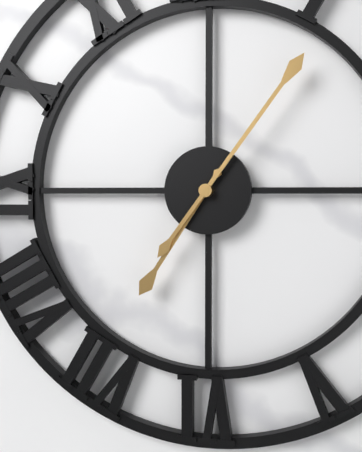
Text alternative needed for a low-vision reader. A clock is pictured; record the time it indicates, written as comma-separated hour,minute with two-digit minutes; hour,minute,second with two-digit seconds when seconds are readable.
7,06
